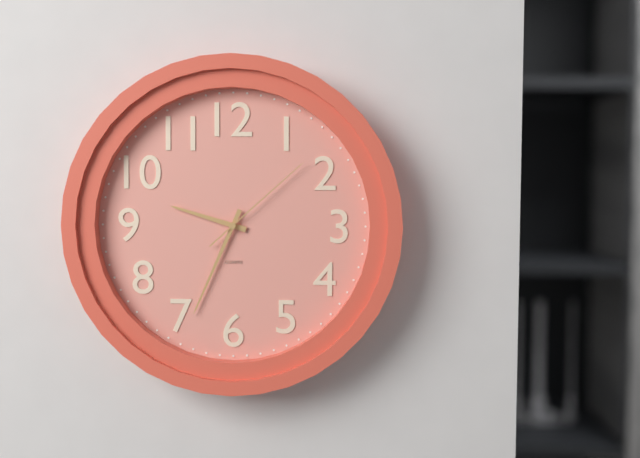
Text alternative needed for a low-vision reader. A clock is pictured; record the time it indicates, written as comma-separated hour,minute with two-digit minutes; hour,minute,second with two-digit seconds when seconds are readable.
9,34,08
